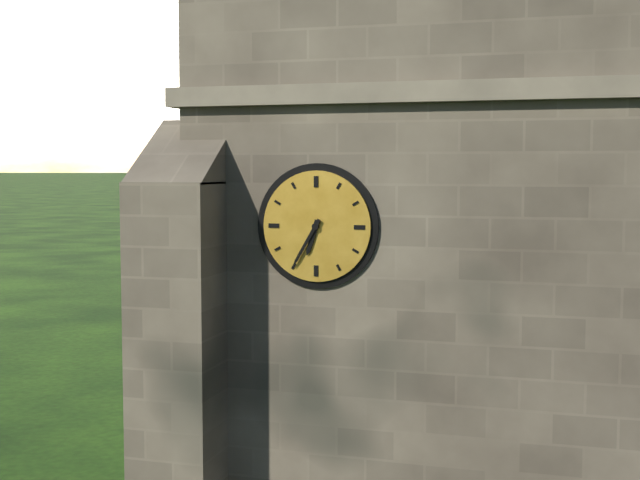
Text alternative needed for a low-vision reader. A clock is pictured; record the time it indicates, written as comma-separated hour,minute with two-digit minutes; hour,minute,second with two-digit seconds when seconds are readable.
6,35
